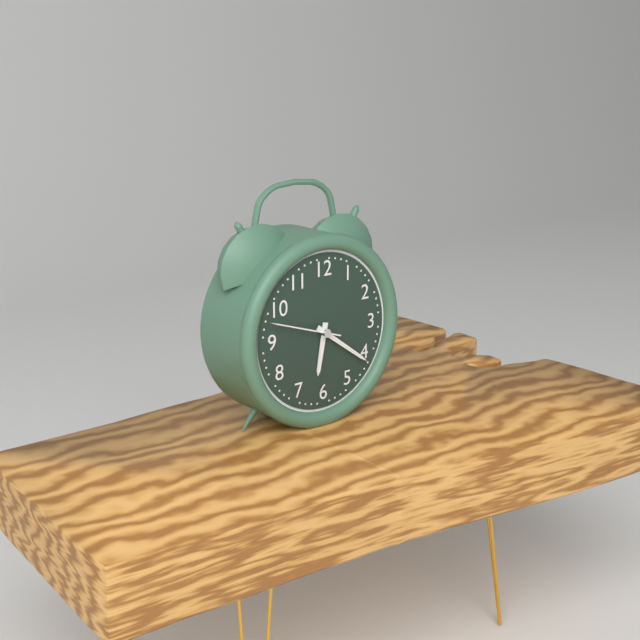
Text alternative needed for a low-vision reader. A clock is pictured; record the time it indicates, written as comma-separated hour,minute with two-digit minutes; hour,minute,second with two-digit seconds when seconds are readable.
6,21,48
